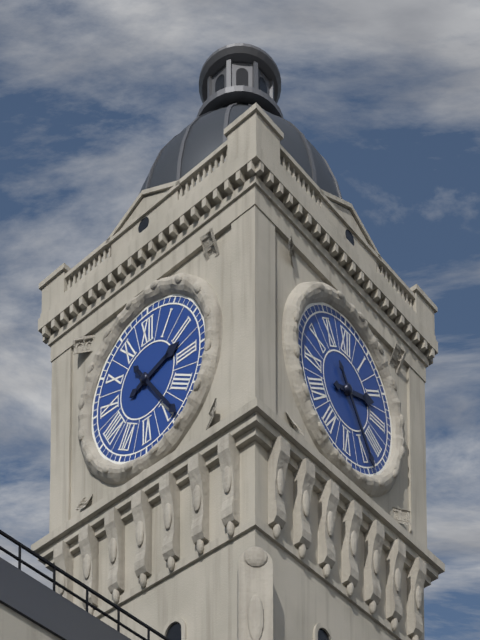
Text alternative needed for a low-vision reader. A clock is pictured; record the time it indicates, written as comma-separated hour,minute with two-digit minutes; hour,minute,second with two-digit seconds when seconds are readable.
2,24
